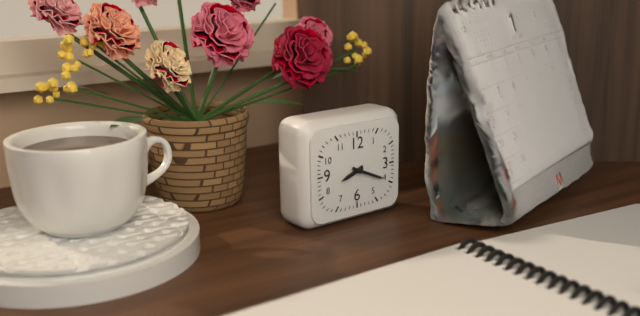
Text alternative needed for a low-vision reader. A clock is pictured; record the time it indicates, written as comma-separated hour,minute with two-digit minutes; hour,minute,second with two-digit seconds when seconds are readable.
8,19
